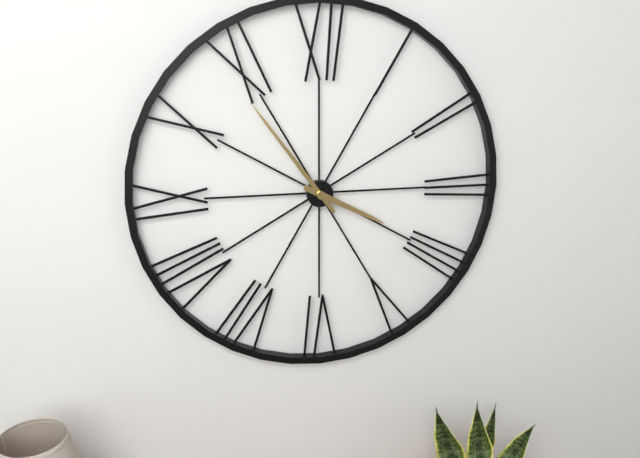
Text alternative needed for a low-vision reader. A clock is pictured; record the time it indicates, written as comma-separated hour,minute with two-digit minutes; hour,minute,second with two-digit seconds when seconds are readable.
3,54
